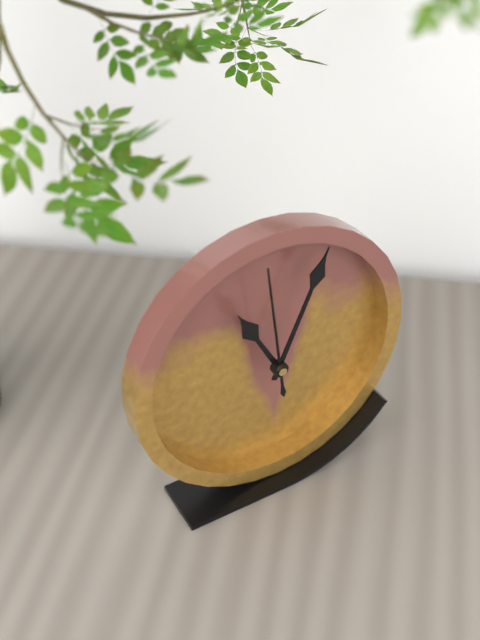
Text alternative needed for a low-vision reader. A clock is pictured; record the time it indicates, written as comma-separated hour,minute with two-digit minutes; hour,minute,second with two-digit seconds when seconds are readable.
11,04,59
